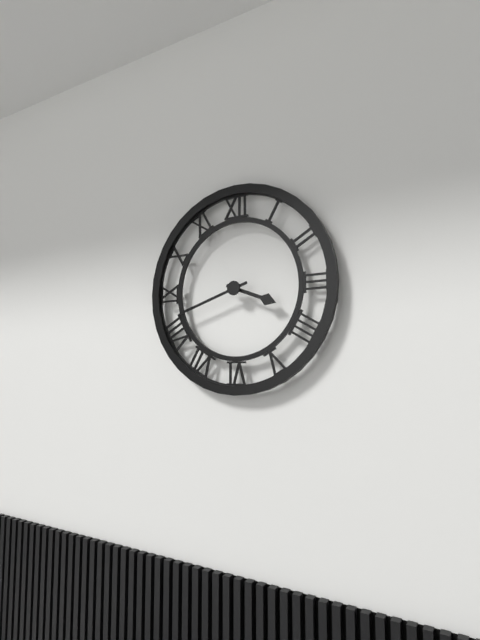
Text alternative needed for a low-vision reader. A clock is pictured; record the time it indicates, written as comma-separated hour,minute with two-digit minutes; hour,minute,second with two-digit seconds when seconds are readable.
3,42
